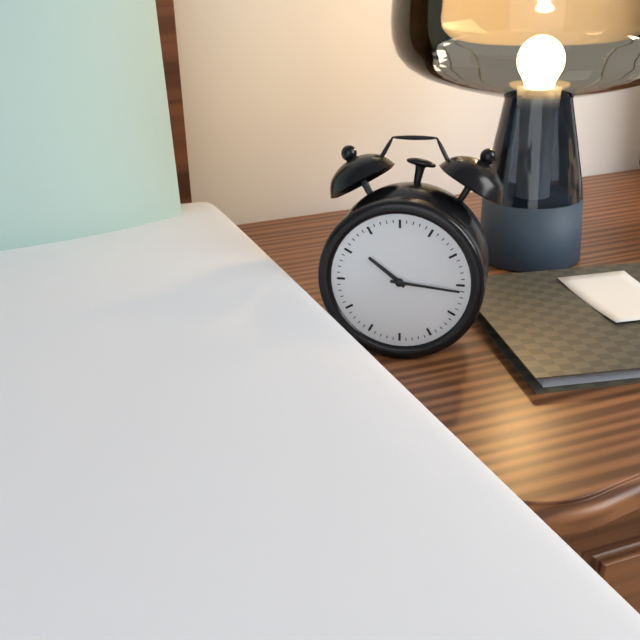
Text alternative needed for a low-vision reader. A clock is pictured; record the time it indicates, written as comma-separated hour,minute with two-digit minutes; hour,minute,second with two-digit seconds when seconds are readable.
10,16
